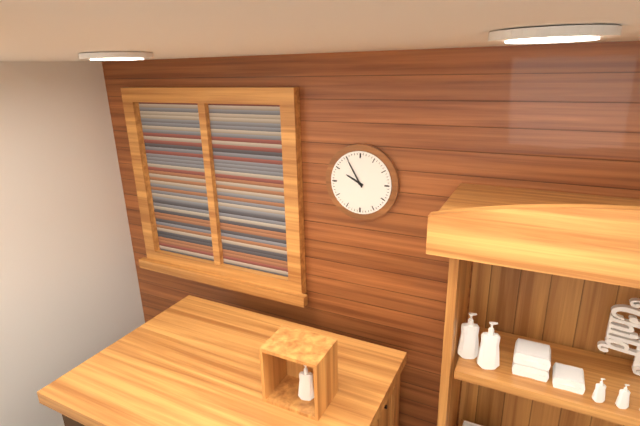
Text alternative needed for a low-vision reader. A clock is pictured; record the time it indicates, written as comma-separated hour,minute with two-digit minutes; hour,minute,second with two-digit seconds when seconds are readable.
9,55
